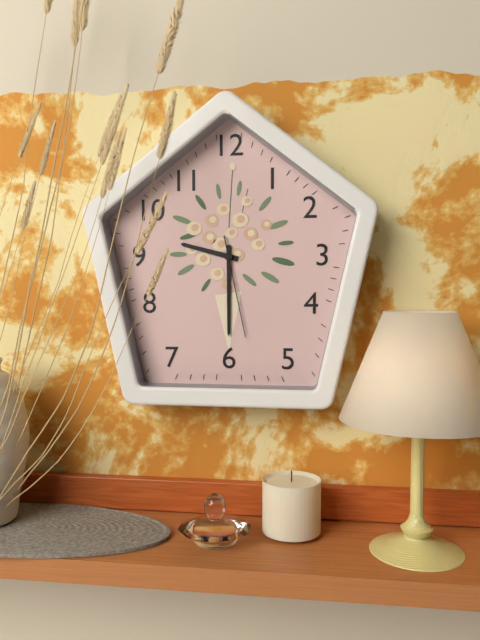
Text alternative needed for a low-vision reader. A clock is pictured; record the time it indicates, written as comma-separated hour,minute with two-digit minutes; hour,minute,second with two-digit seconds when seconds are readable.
9,30,28
